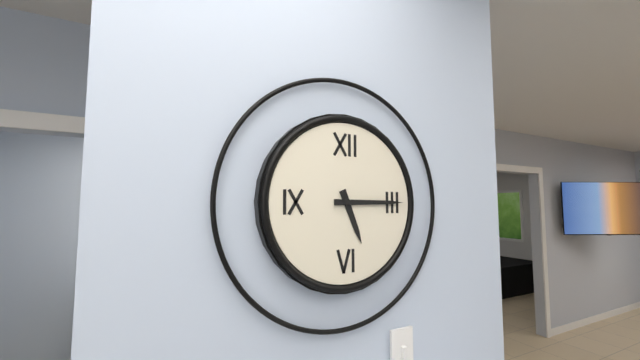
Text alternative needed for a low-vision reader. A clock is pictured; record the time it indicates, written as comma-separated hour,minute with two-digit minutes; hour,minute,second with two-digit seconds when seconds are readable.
5,15
